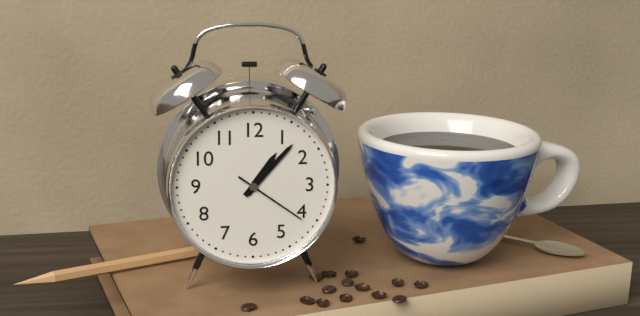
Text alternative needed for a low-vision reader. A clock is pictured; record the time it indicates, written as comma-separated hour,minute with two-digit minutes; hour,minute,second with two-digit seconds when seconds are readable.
1,07,21
